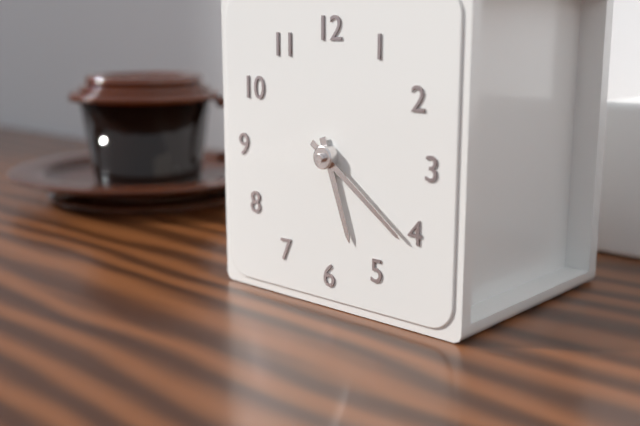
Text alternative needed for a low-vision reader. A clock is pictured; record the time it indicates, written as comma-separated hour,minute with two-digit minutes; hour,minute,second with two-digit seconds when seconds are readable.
5,21
